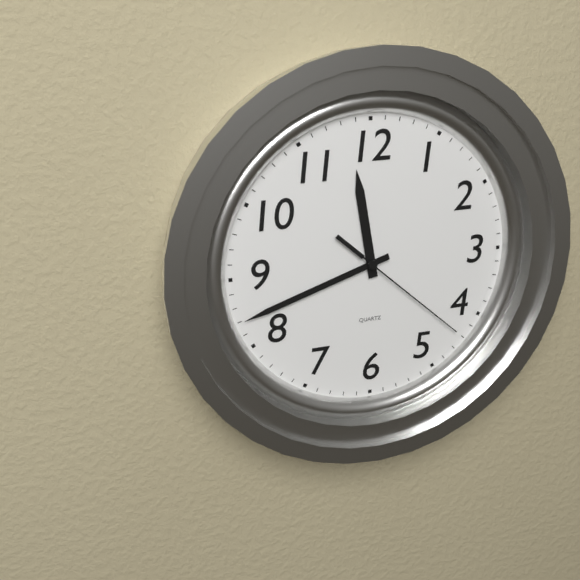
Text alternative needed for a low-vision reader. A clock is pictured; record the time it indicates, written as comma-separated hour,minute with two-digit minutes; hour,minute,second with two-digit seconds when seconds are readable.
11,42,22
